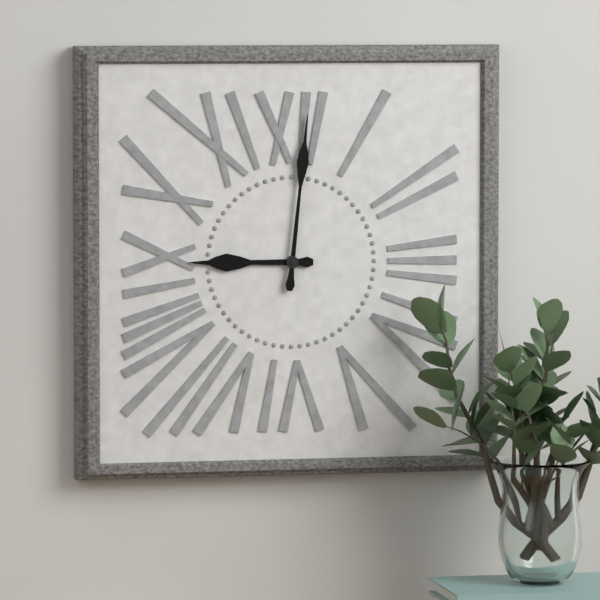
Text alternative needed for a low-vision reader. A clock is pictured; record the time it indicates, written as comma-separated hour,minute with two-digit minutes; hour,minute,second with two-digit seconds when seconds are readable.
9,01
